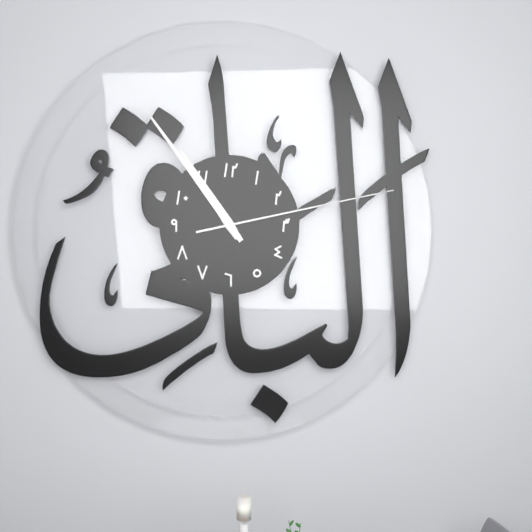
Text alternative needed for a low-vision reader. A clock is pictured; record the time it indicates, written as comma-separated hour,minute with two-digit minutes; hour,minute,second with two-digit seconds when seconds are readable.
10,54,13
